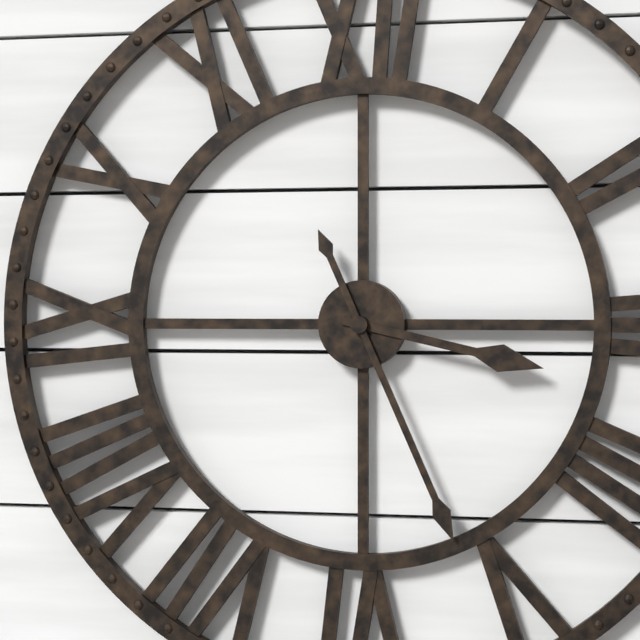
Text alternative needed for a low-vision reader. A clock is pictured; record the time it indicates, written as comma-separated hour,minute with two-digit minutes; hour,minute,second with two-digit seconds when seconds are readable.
3,26
